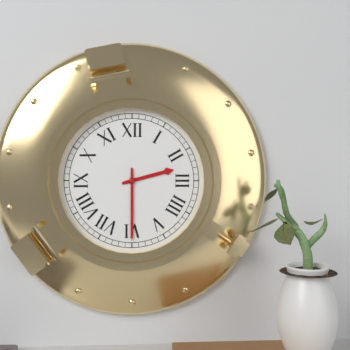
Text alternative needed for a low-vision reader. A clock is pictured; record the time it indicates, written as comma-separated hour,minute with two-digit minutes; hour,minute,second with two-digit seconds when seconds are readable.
2,30
